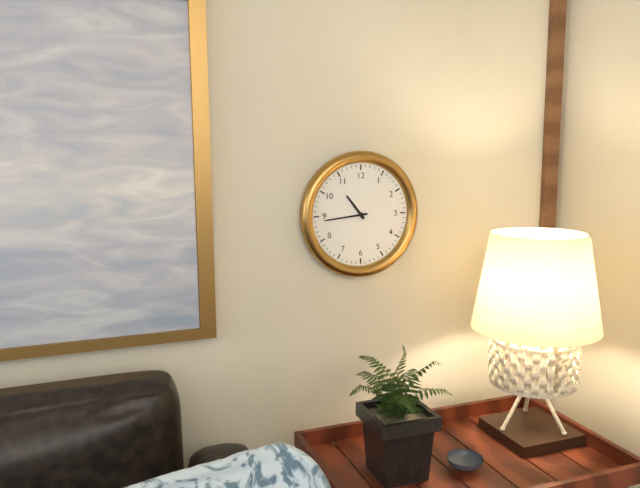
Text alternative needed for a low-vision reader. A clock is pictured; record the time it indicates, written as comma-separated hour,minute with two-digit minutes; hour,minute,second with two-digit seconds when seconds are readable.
10,44
